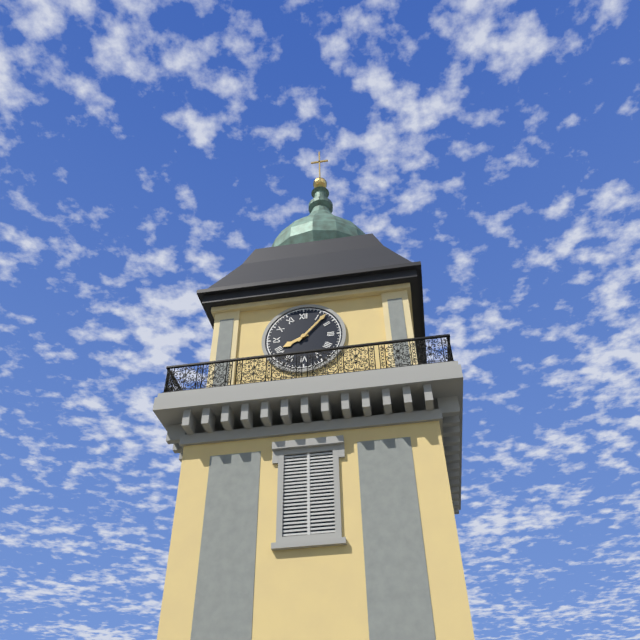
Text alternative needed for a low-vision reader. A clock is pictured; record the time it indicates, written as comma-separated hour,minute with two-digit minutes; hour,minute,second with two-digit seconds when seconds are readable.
8,07
